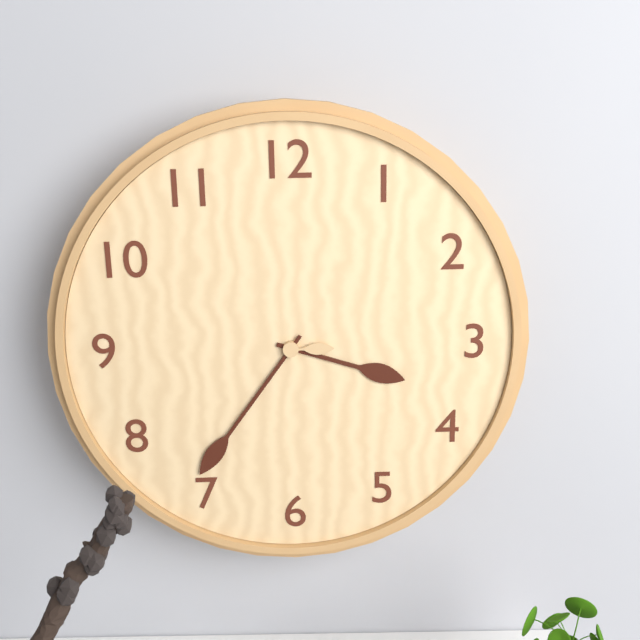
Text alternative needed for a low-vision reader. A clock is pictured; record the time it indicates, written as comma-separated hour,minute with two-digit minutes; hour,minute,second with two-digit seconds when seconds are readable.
3,36,15
